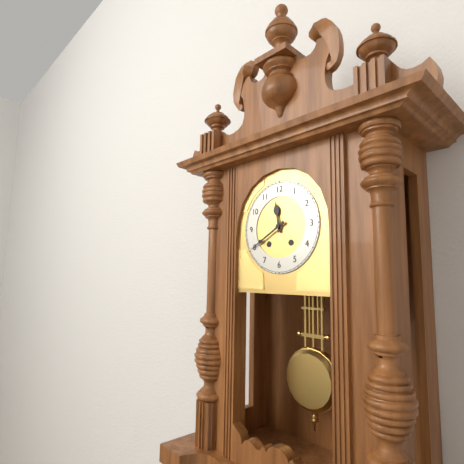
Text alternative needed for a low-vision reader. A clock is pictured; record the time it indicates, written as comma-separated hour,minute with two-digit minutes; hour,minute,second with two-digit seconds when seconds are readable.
11,40
